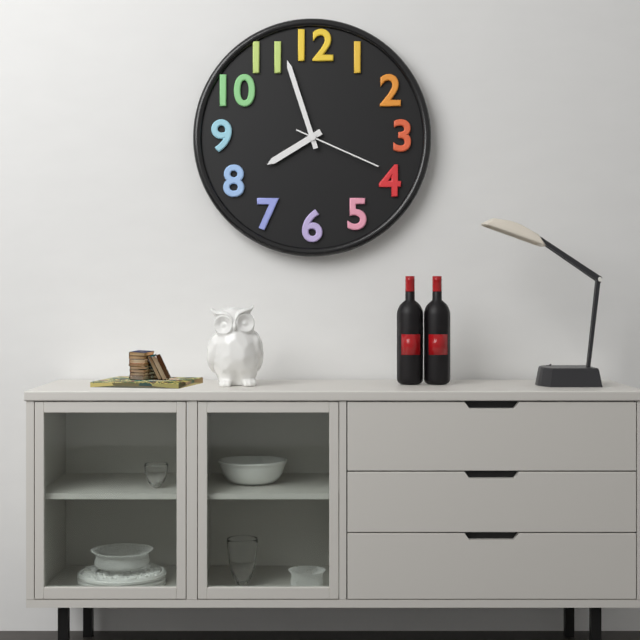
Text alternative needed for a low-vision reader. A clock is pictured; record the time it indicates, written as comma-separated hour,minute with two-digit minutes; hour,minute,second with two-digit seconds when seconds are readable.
7,57,19
